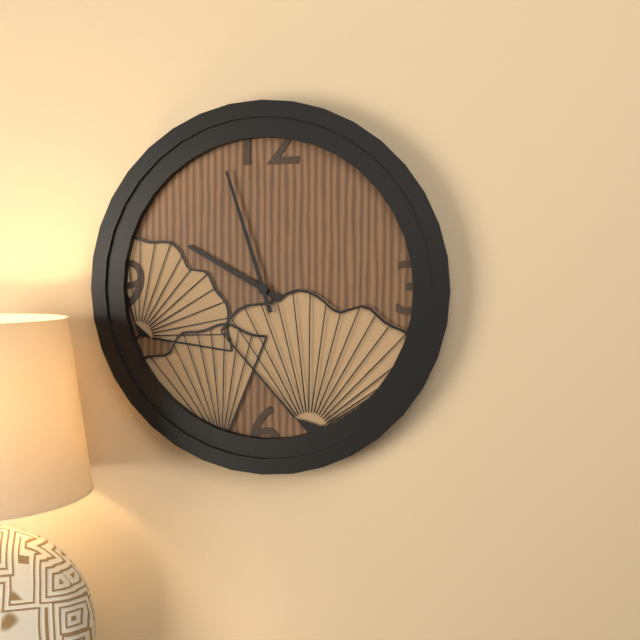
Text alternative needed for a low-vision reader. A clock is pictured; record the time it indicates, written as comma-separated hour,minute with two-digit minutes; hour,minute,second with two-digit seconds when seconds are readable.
9,57
